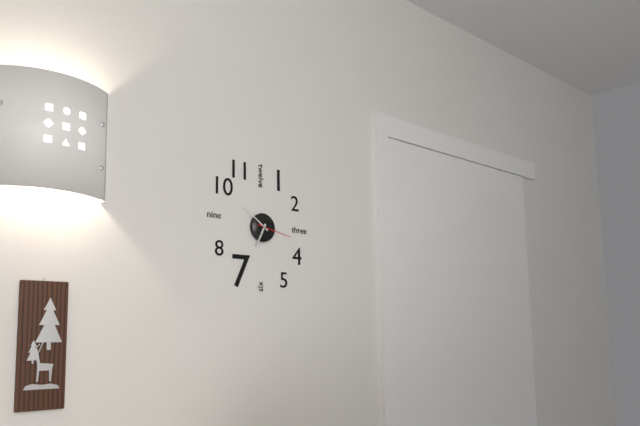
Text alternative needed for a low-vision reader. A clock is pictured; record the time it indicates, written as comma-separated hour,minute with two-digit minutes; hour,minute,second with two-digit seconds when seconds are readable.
6,51
